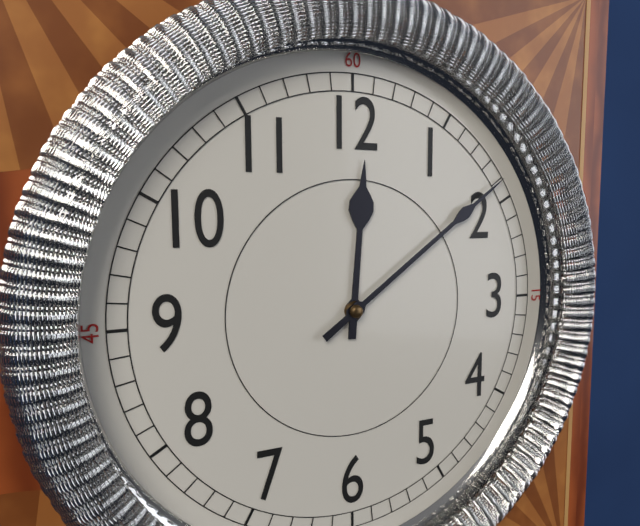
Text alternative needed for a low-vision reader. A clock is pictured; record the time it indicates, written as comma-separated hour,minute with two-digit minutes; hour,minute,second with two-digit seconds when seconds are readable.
12,09
